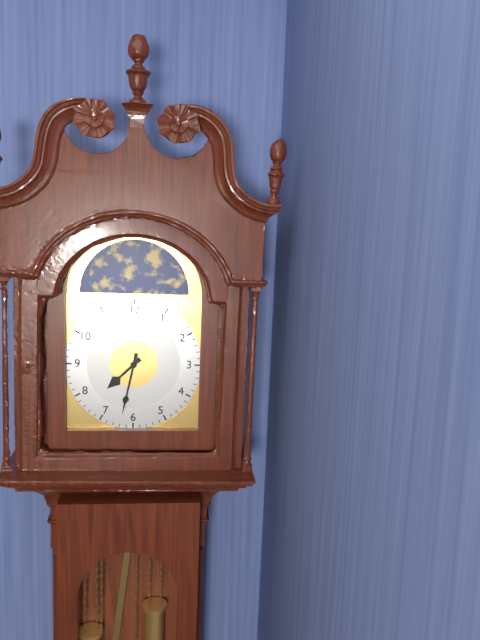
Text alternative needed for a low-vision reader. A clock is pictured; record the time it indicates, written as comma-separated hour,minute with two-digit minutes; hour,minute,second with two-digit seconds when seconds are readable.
7,32
